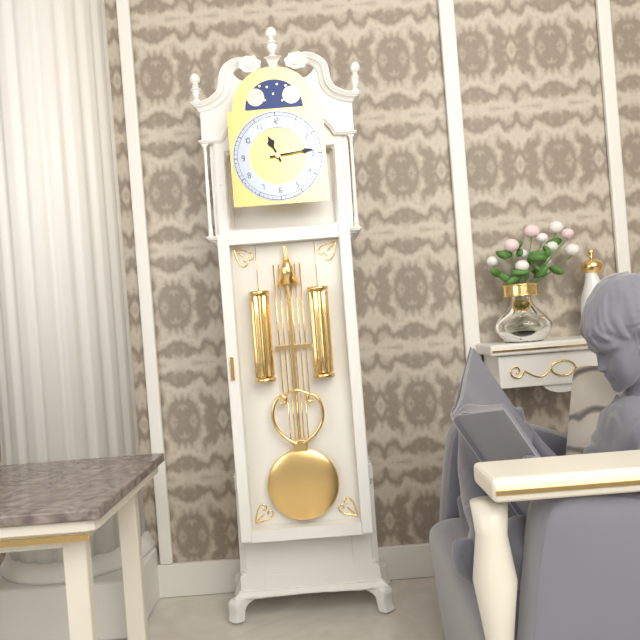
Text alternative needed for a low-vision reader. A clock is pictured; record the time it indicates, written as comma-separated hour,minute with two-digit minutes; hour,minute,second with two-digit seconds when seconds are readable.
11,14
